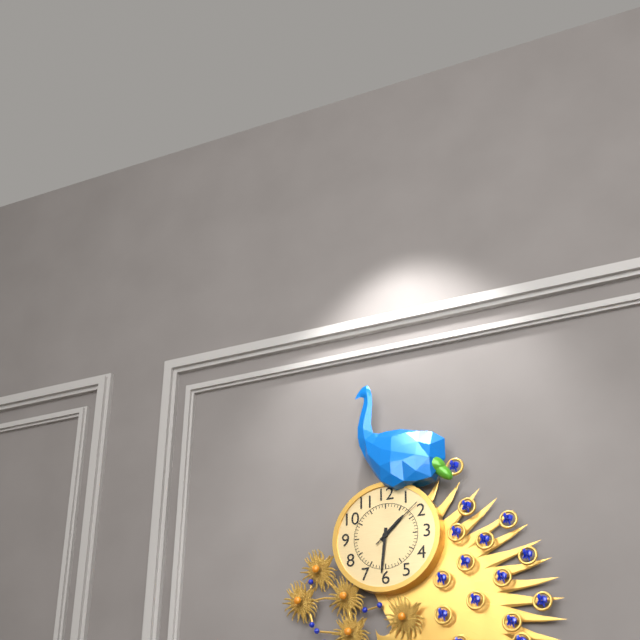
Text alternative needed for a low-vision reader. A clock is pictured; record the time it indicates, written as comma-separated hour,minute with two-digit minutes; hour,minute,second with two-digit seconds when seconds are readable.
1,31,08
